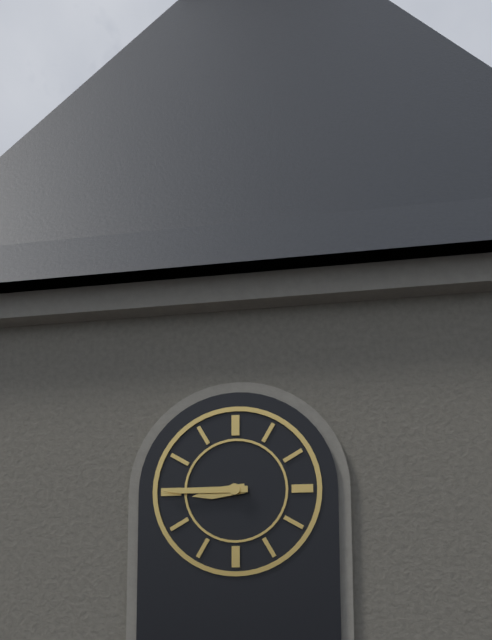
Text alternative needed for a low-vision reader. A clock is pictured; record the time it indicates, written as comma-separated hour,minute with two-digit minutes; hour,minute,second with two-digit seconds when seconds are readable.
8,45
